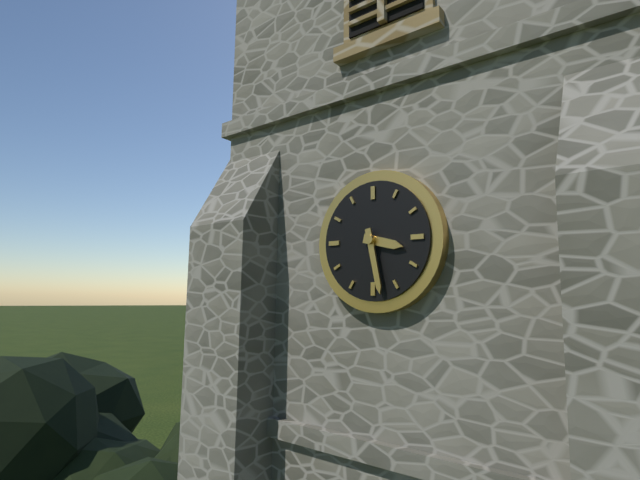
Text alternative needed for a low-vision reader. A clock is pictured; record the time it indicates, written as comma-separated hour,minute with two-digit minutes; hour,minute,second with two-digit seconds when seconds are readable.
3,28
